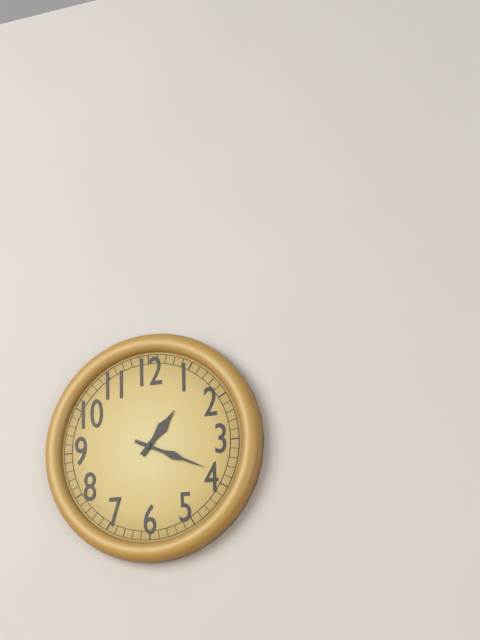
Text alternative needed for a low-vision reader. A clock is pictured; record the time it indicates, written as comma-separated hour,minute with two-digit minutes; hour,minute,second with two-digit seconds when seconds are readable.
1,19
